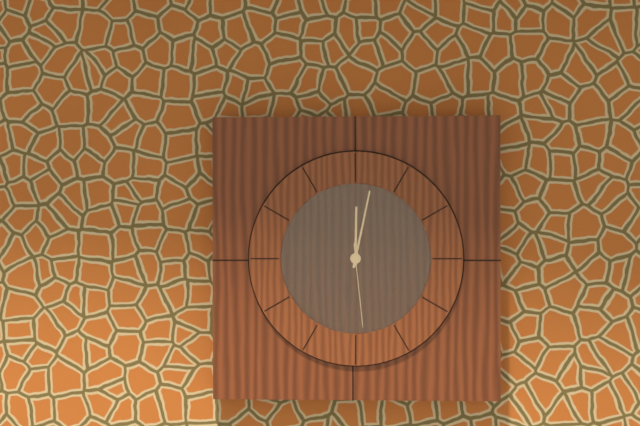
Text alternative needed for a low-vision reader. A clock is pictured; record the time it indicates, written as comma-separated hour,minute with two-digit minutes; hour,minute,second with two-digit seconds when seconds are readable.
12,02,29
